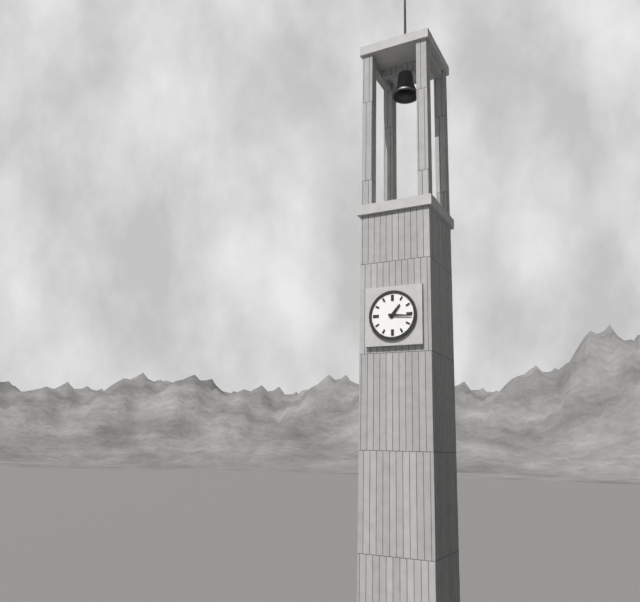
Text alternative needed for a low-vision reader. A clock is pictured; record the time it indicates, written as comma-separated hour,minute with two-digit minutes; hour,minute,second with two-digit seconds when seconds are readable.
1,16
